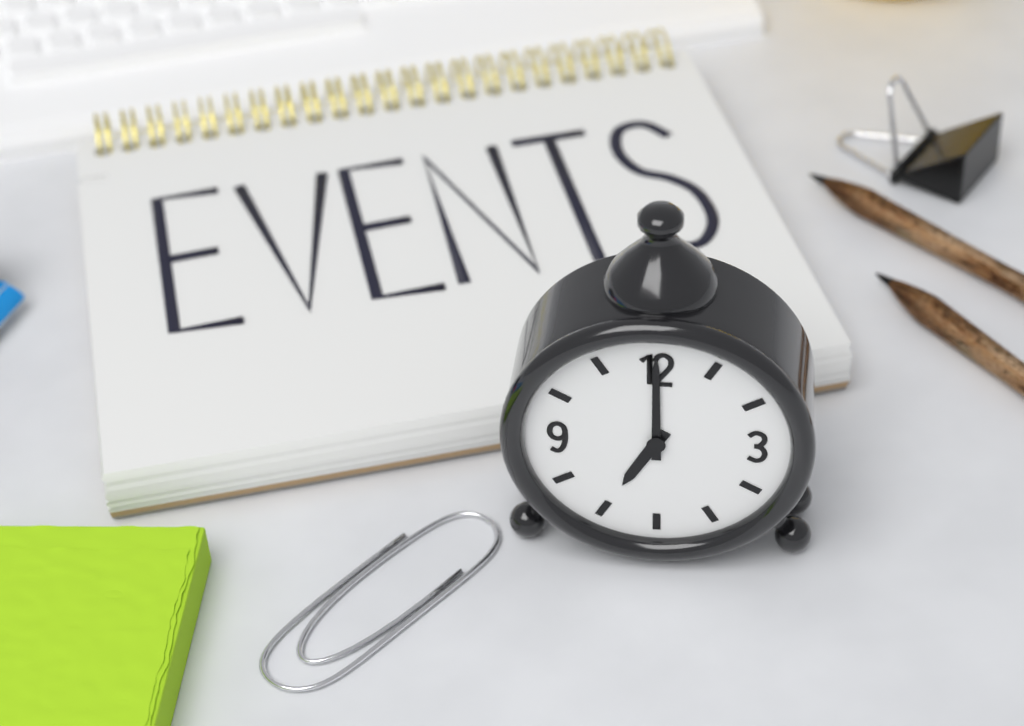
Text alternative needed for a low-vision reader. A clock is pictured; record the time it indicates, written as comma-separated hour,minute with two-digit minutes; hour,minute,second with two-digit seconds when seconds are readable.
7,00
